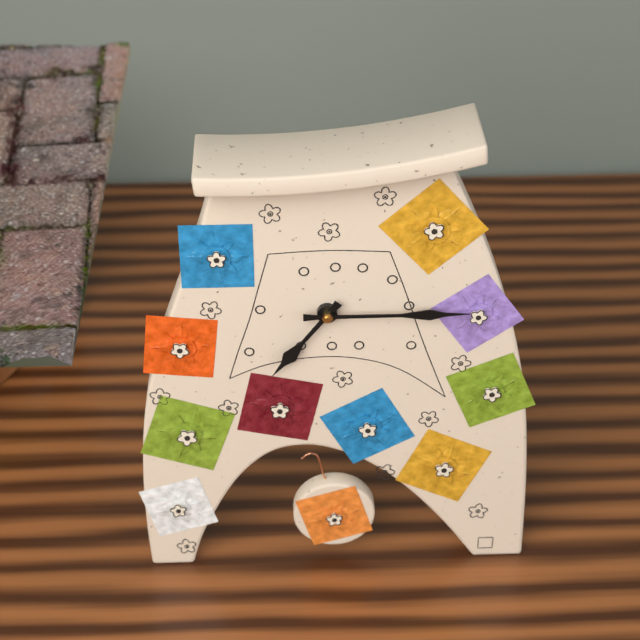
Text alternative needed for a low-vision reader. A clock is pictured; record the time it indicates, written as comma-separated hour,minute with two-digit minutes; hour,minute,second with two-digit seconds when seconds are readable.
7,15
